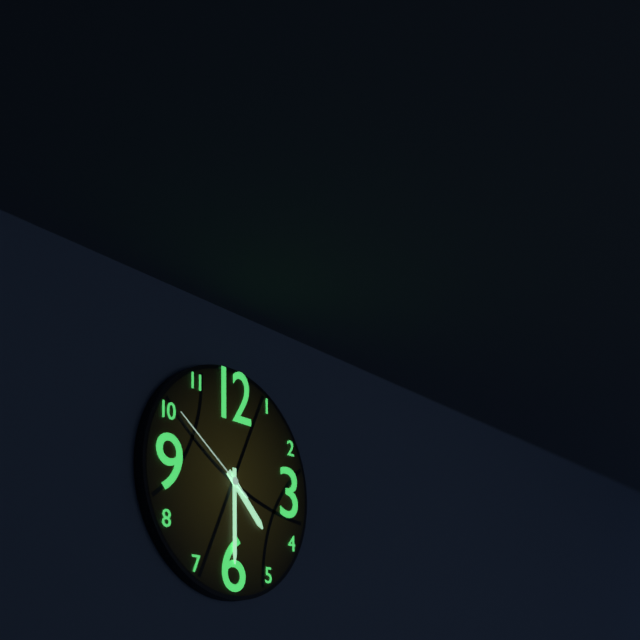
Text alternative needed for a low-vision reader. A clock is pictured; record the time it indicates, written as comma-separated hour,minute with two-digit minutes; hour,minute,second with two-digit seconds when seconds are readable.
4,30,51
